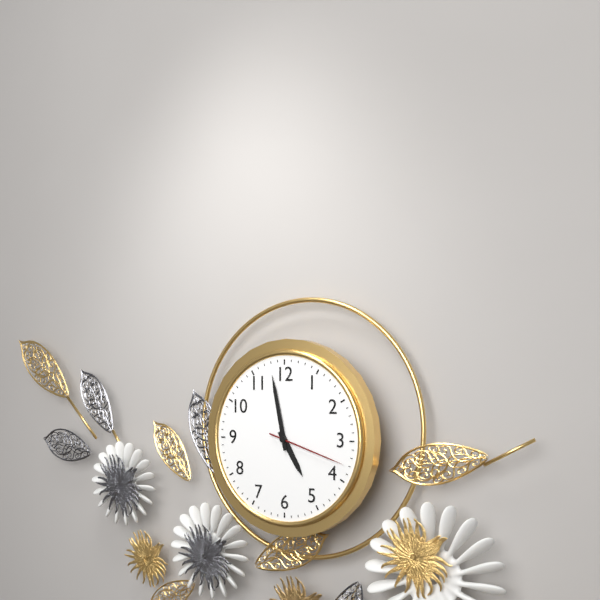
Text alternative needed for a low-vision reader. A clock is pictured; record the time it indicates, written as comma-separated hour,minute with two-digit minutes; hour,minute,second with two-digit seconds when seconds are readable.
4,58,18
